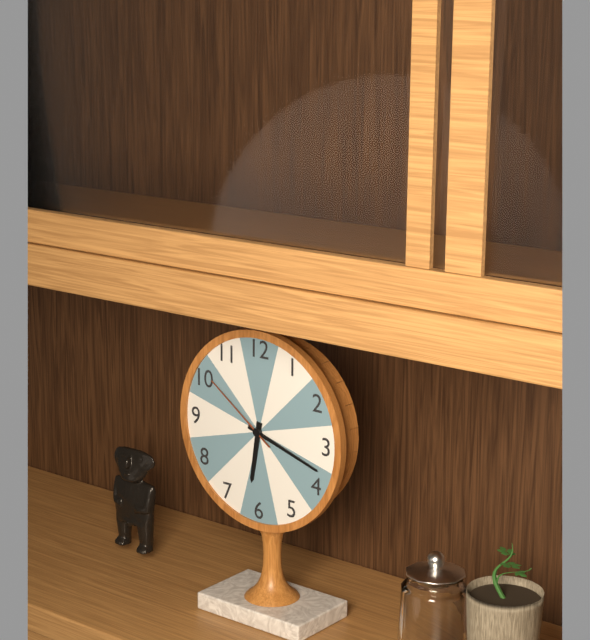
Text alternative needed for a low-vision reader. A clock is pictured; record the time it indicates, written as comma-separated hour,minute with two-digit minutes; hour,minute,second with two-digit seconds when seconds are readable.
6,18,51
